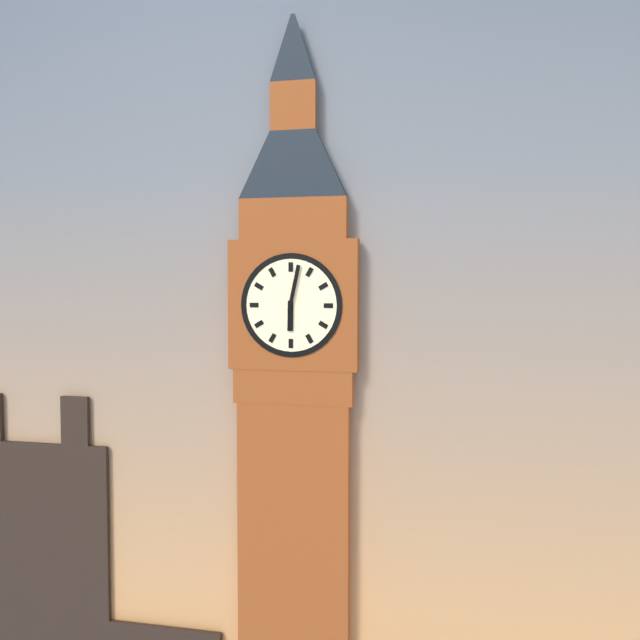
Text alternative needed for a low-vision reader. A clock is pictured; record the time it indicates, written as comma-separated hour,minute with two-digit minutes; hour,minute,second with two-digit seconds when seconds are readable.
6,02
